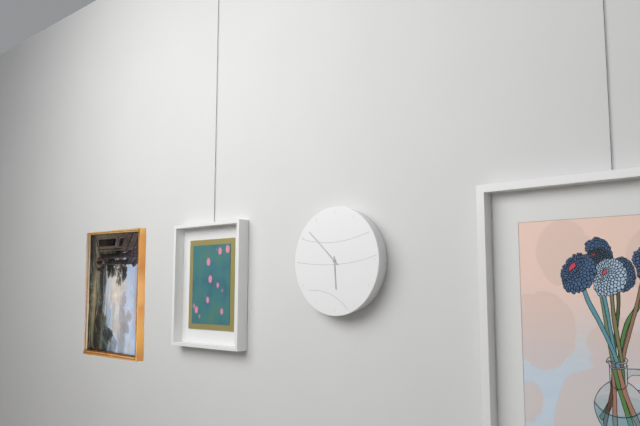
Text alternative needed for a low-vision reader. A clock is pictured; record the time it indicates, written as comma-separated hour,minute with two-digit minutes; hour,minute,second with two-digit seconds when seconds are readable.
5,52
